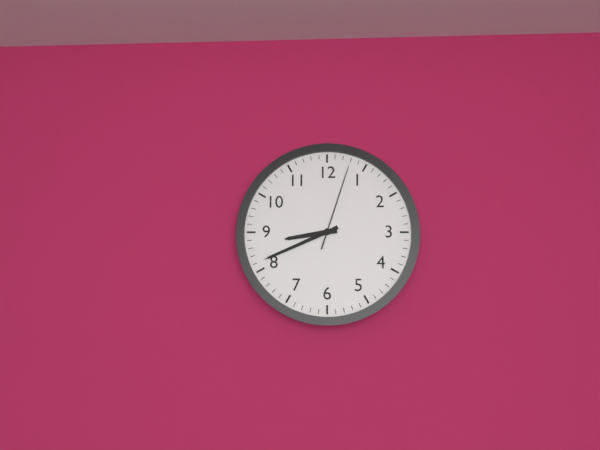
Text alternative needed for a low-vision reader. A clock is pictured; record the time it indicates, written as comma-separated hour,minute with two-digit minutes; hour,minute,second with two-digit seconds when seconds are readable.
8,41,03
